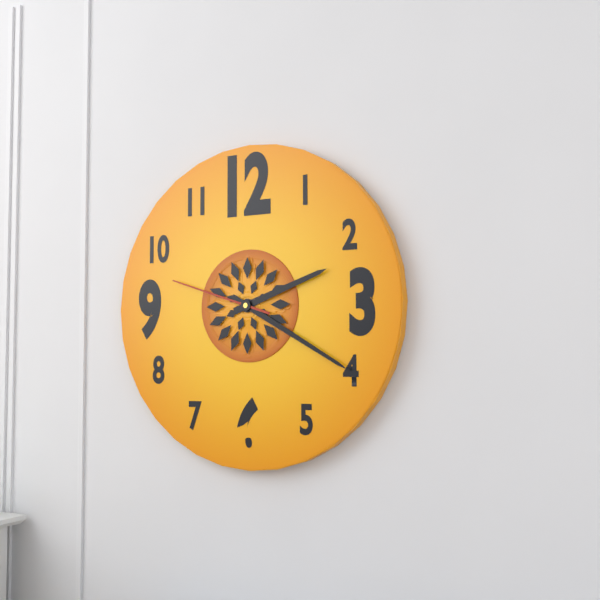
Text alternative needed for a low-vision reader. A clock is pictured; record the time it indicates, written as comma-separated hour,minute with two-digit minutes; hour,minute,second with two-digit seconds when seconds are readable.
2,20,48
